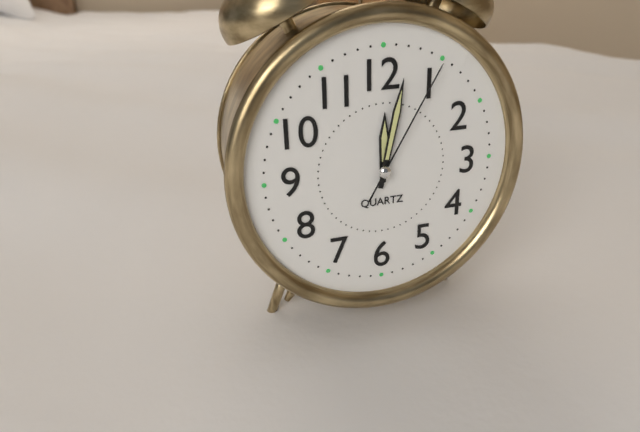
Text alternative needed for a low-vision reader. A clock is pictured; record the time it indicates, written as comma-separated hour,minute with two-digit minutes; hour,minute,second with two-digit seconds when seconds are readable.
12,02,05
